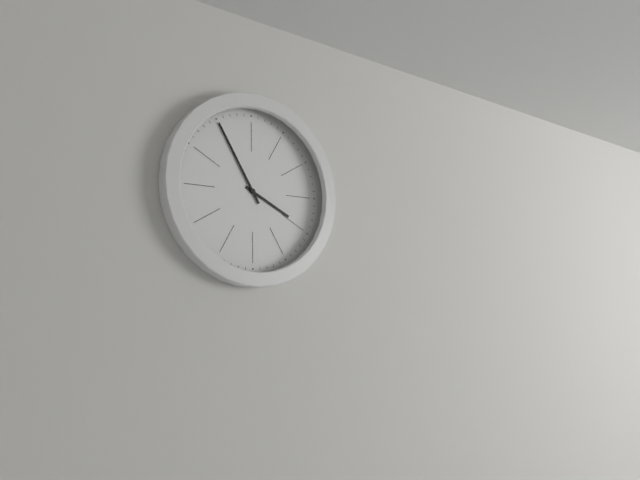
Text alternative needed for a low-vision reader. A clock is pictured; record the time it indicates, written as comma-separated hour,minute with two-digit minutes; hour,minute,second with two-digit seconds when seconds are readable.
3,55
